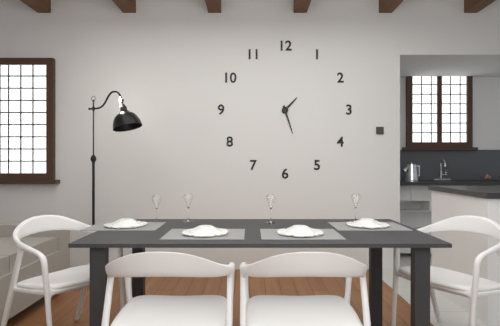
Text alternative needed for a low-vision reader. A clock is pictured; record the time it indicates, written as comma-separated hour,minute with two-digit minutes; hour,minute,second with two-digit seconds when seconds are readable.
1,27
